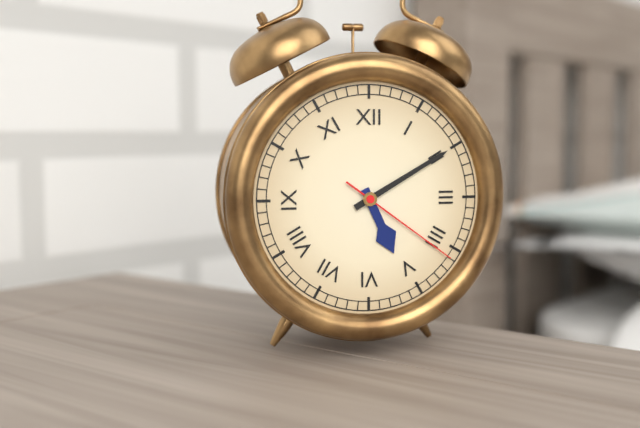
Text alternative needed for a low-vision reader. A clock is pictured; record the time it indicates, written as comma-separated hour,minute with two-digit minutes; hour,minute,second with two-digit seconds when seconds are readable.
5,10,21
